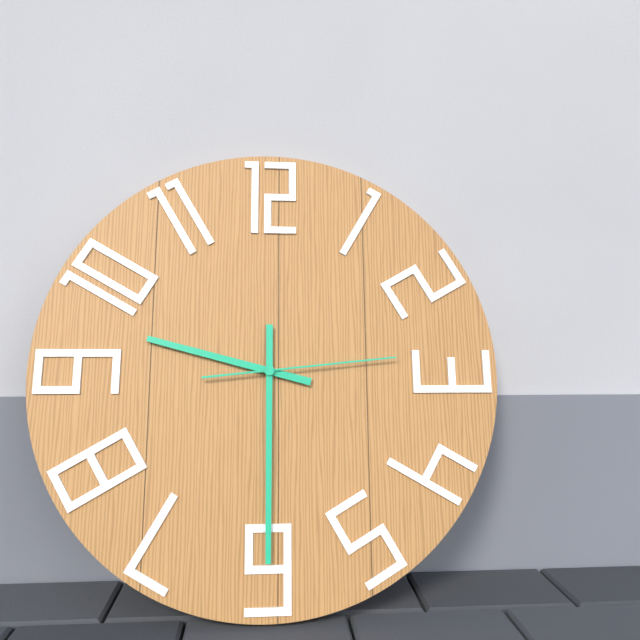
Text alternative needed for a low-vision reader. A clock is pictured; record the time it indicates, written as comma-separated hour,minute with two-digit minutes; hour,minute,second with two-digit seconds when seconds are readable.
9,30,14
